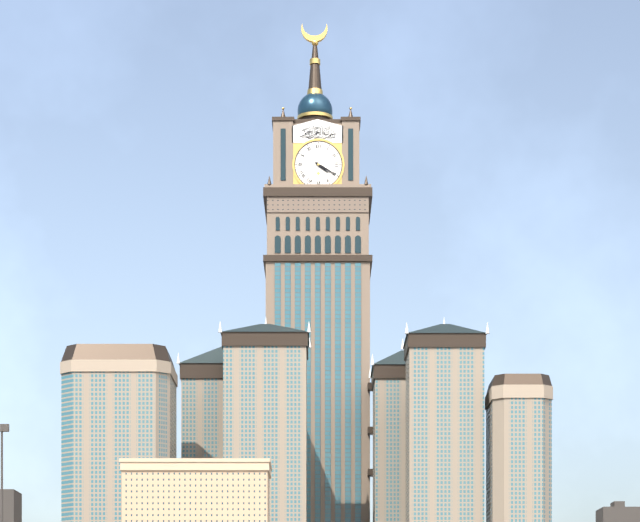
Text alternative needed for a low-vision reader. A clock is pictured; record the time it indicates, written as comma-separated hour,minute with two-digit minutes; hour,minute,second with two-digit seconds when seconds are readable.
4,20
